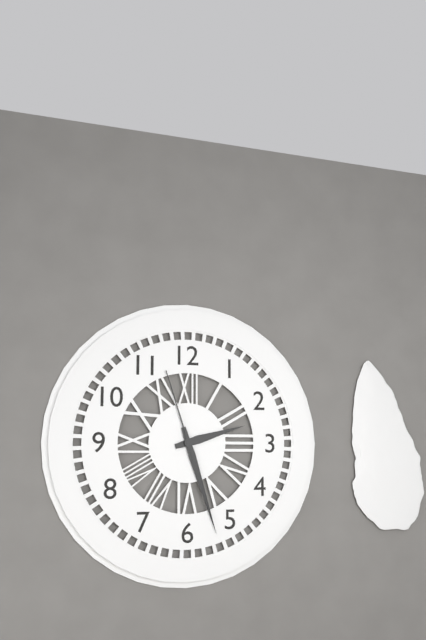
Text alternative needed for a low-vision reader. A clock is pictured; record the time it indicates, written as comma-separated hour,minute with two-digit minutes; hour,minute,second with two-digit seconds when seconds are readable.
2,27,57
